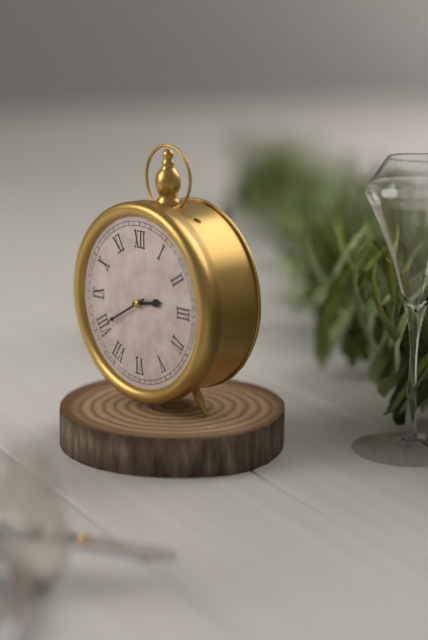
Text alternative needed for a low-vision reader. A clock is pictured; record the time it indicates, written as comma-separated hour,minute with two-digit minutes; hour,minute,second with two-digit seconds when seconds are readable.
2,40
